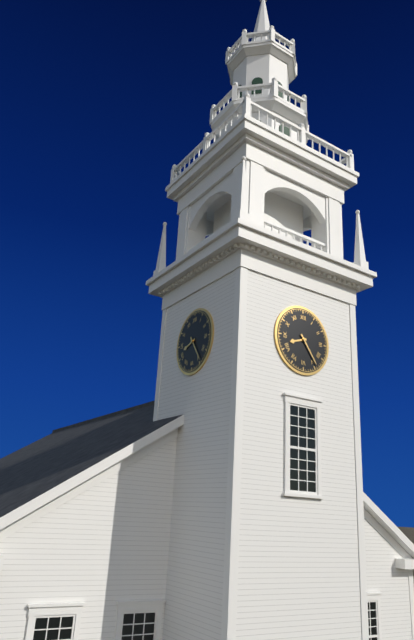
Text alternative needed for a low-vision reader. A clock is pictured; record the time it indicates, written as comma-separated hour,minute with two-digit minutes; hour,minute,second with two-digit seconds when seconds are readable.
8,24
